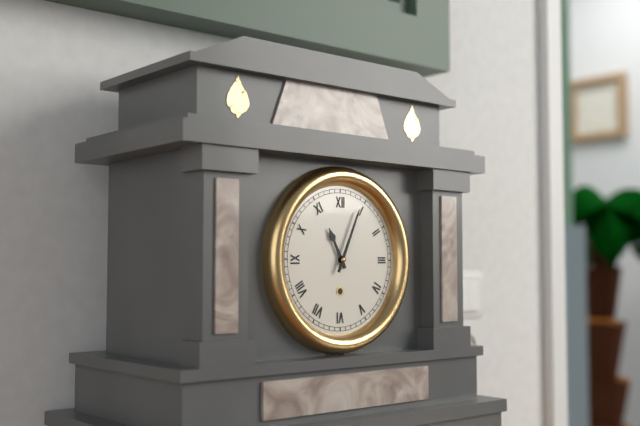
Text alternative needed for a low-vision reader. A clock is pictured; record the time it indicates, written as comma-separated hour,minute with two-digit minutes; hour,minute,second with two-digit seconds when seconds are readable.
11,04
